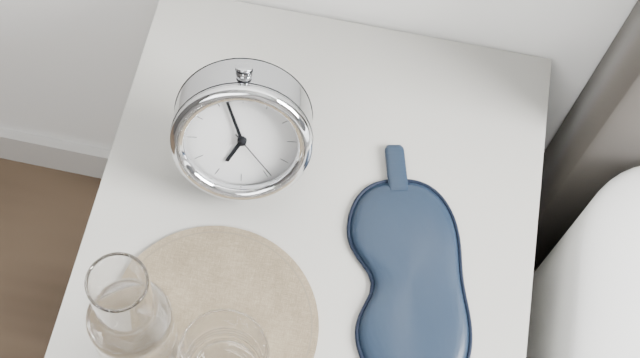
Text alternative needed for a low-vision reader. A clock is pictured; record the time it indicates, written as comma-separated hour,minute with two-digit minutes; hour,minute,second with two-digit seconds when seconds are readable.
6,57,24
